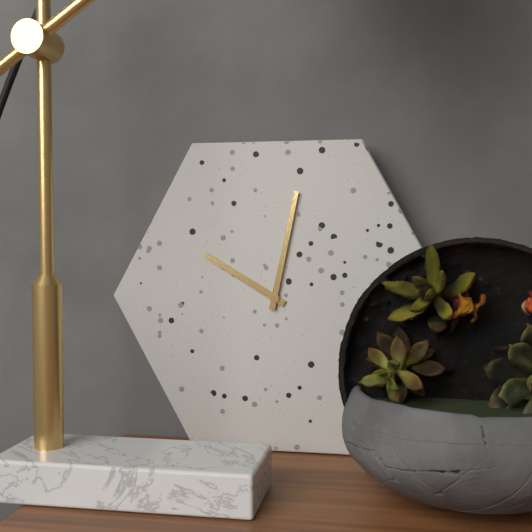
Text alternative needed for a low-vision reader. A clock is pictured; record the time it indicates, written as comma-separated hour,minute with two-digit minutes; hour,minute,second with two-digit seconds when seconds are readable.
10,02
